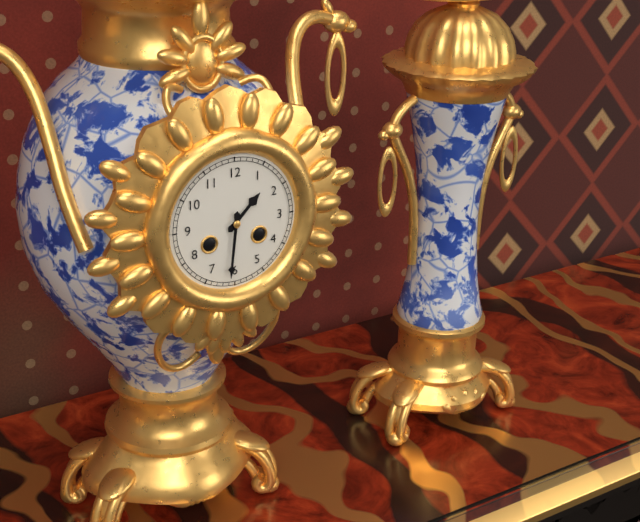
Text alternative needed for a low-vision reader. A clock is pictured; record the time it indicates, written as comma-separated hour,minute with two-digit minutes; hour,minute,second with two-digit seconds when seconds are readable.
1,31
